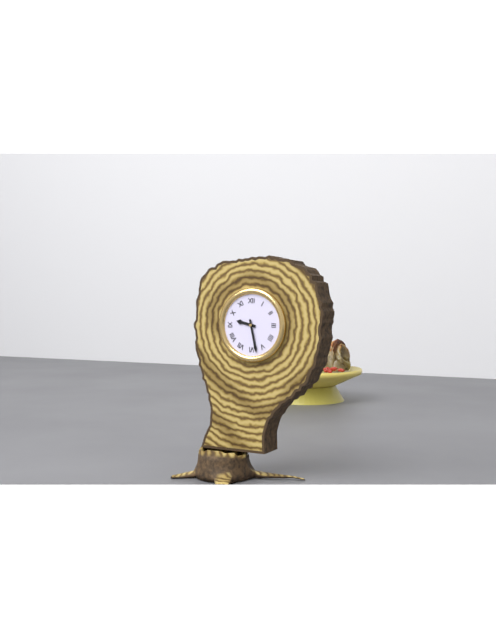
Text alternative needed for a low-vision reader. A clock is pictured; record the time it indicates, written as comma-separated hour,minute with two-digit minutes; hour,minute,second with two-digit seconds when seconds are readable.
9,28
